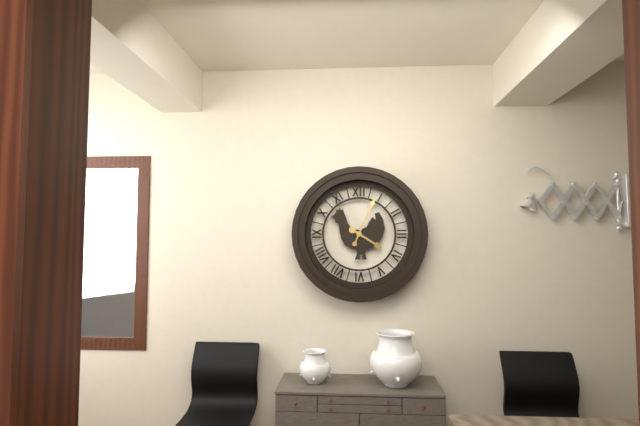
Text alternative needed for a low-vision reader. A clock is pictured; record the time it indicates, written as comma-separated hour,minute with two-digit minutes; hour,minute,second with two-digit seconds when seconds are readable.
4,04
